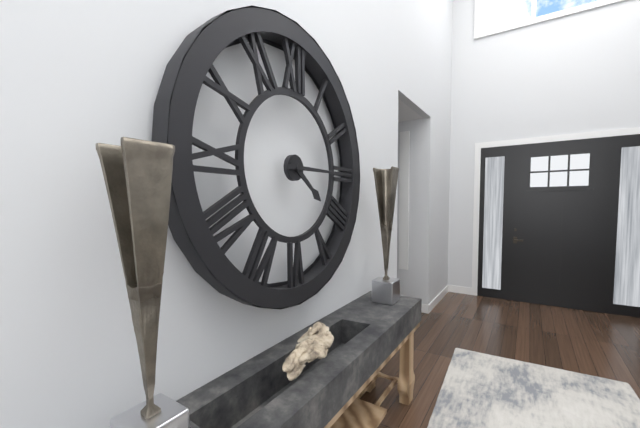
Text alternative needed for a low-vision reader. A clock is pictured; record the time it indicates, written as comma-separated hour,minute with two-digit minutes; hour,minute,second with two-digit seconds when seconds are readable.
4,15
